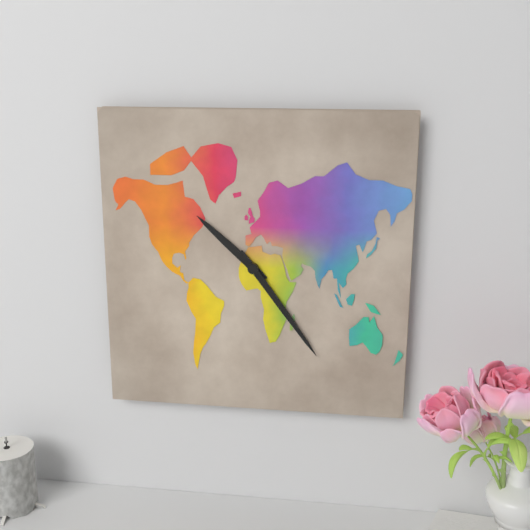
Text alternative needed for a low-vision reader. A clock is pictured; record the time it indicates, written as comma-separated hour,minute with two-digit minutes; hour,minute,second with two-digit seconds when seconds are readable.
10,24
